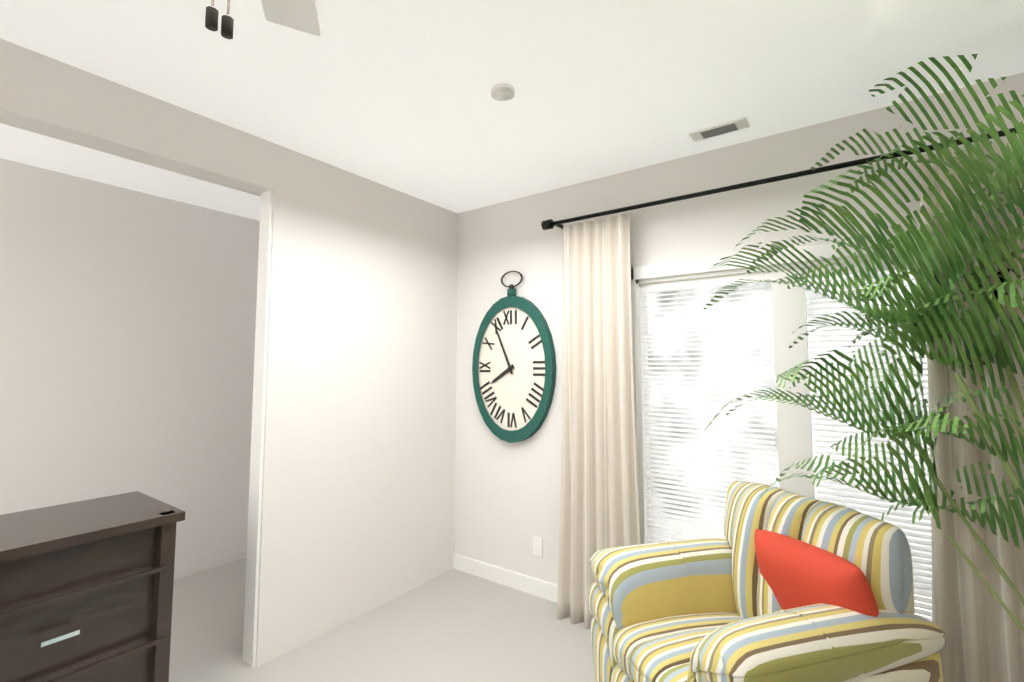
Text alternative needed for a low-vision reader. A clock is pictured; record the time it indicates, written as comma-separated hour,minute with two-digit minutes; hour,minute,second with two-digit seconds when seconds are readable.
7,56
